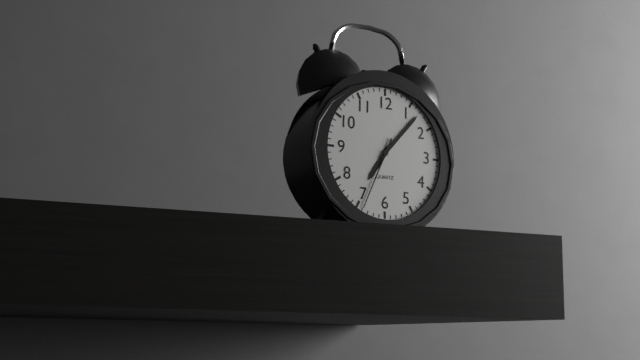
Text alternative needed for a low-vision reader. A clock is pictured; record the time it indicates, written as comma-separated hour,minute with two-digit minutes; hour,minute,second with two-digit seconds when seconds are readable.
7,07,34
